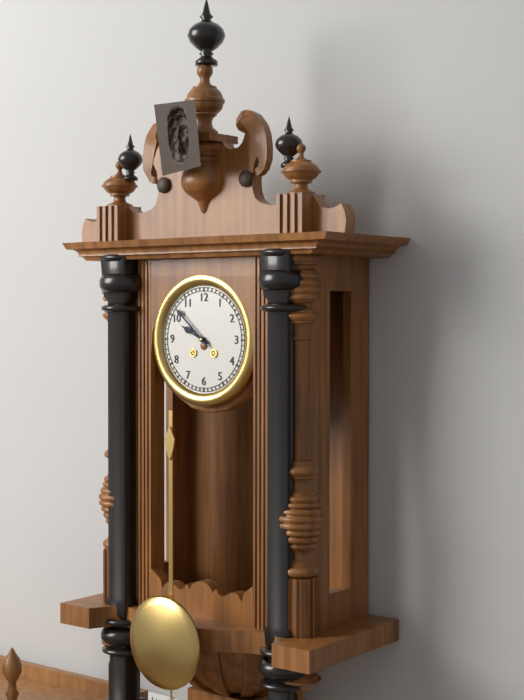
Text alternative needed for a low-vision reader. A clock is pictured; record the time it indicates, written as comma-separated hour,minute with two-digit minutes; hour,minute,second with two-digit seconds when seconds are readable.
9,52
